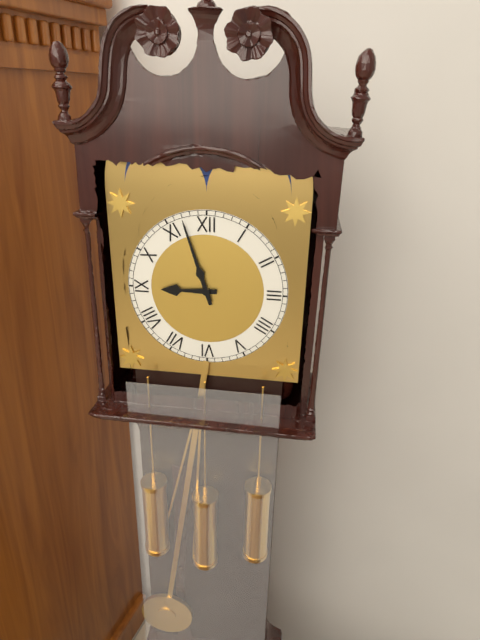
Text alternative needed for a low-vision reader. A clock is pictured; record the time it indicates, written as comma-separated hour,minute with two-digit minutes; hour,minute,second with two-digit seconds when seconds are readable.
8,57
